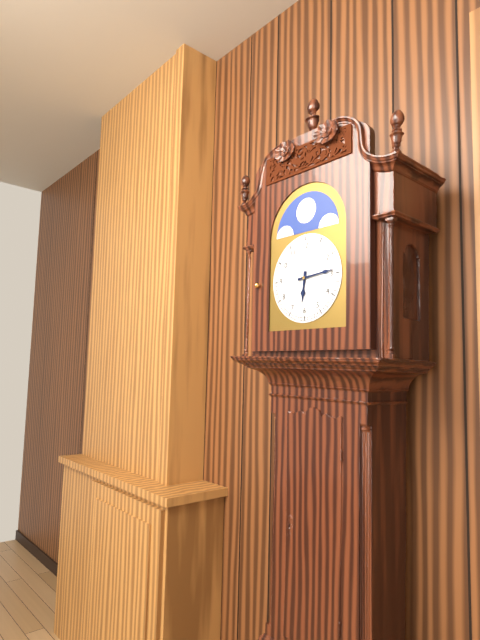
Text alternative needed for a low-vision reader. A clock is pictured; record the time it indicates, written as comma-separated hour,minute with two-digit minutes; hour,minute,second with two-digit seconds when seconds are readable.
6,14
